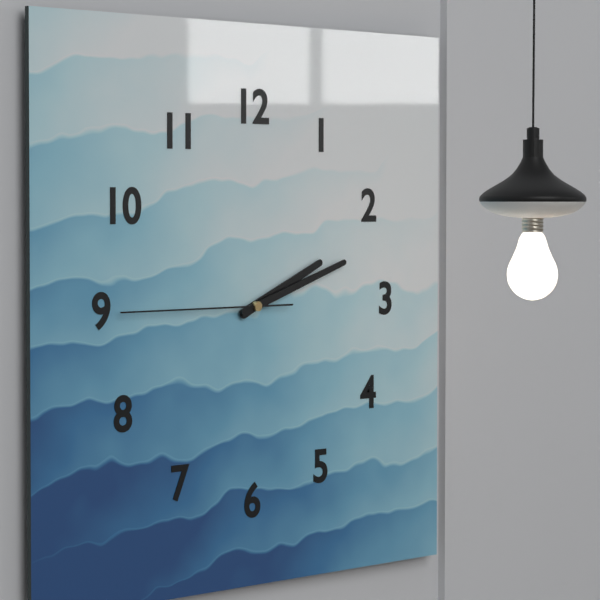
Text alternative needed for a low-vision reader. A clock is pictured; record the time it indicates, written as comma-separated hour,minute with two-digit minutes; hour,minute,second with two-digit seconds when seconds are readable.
2,12,45
